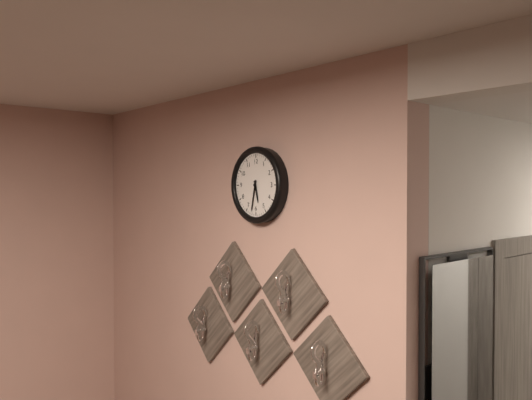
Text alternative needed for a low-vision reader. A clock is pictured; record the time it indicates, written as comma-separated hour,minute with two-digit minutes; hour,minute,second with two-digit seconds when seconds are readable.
5,32
